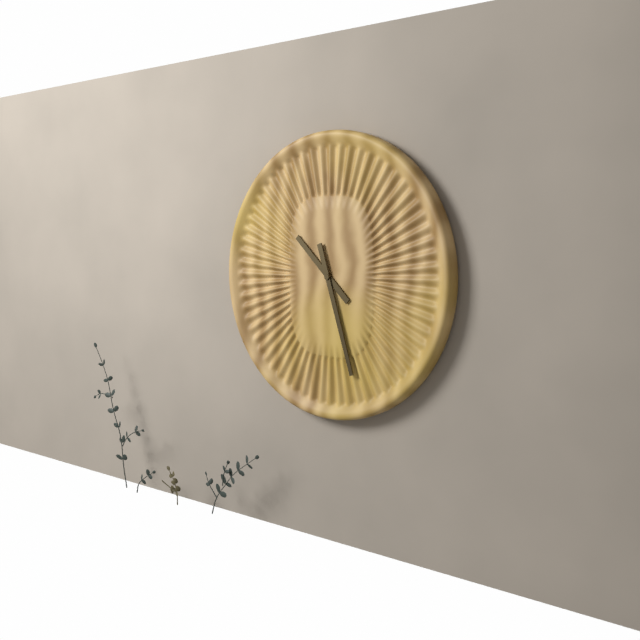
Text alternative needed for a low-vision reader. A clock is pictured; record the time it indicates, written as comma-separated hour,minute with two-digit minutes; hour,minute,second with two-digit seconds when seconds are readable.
10,27
